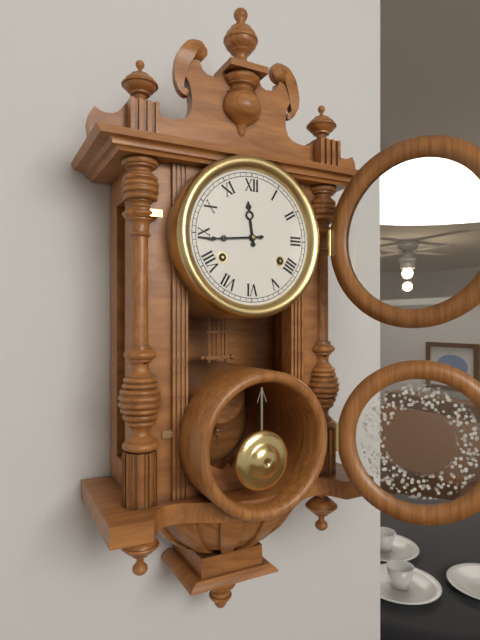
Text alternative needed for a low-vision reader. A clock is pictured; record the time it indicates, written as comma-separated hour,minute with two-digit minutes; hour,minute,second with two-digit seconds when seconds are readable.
11,44
